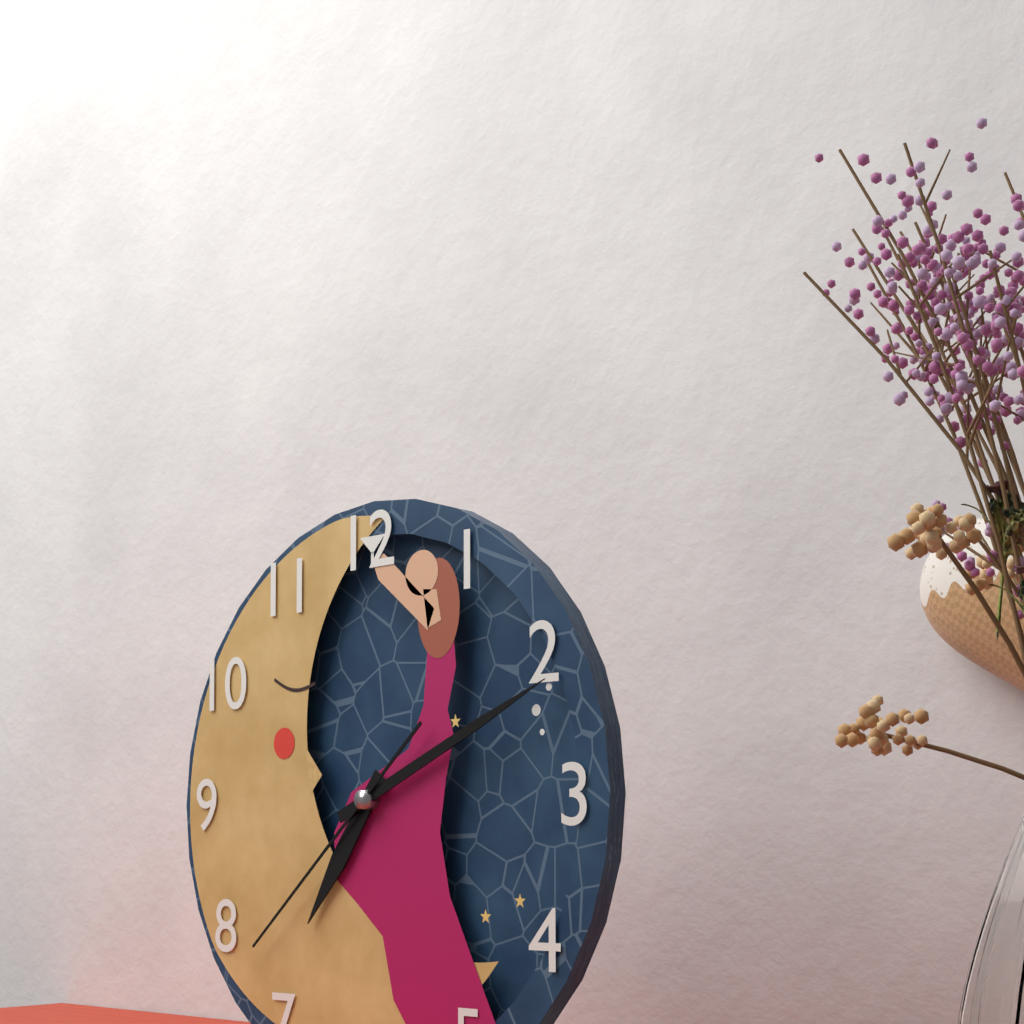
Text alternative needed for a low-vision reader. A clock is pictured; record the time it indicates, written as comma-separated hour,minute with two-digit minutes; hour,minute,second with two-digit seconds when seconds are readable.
7,11,38
